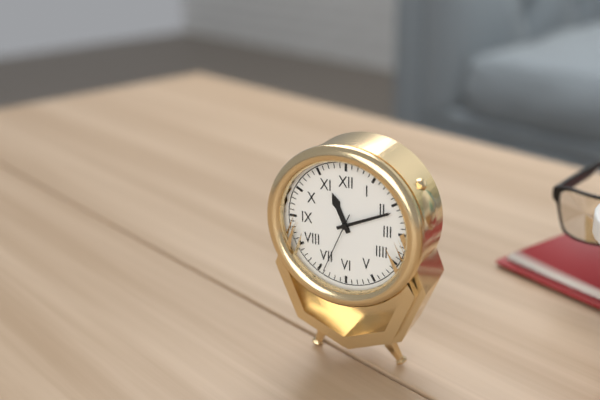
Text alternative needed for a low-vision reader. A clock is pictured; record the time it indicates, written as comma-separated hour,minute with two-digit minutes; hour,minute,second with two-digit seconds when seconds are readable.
11,11,34
